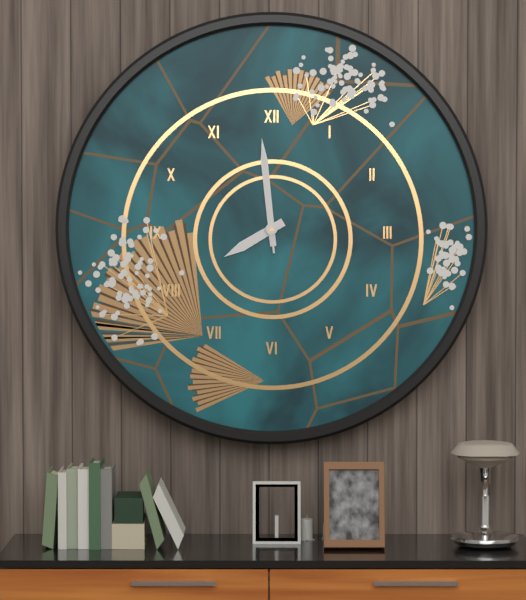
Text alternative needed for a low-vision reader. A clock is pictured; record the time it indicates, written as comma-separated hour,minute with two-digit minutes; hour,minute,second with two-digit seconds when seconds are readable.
7,59,59
